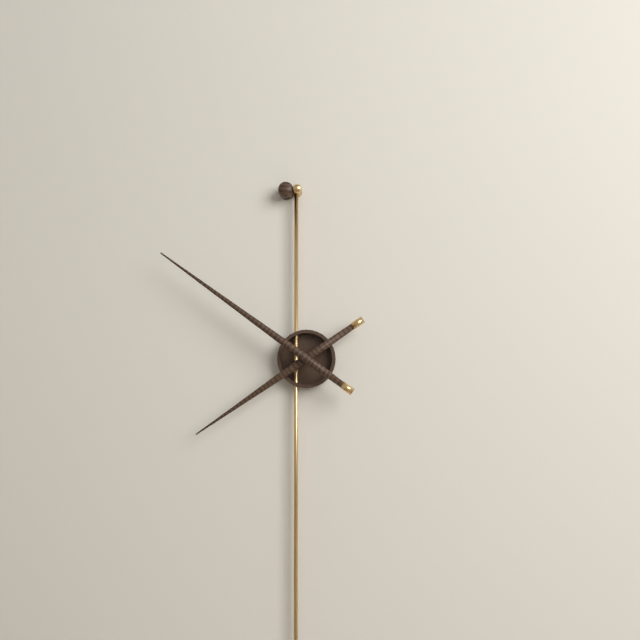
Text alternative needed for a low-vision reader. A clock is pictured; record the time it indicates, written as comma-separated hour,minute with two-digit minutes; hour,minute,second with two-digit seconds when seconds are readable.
7,51
